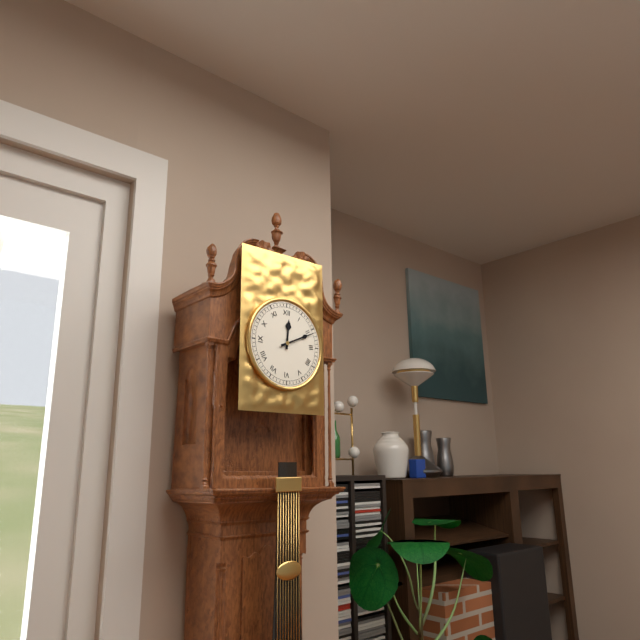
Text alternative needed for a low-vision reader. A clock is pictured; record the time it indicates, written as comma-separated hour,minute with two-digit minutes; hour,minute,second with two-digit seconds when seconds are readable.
12,11
